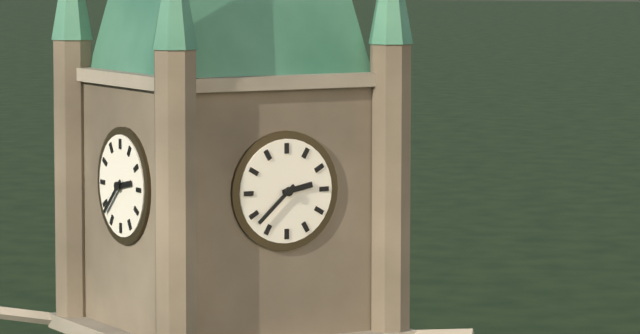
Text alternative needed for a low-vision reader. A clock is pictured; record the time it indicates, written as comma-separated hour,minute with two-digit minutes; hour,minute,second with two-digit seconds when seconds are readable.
2,38
